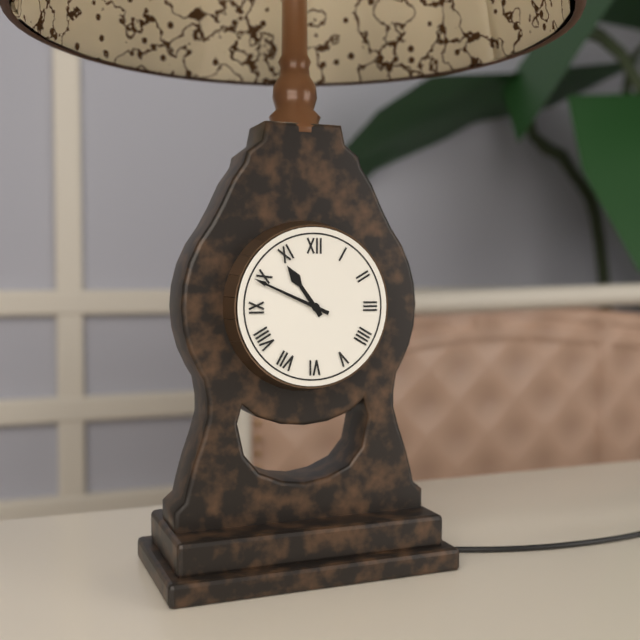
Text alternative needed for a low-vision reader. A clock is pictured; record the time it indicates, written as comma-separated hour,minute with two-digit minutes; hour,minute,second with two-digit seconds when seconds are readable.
10,49
